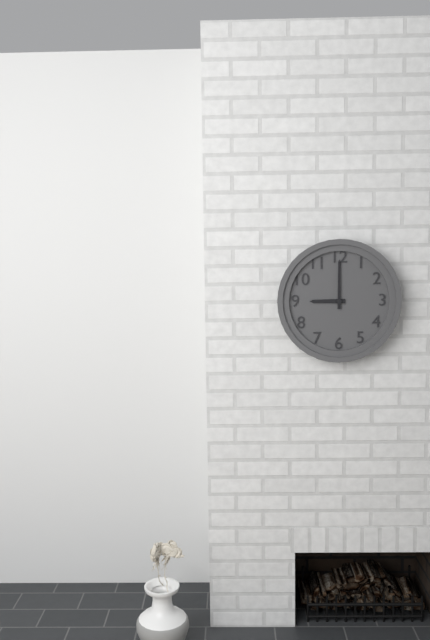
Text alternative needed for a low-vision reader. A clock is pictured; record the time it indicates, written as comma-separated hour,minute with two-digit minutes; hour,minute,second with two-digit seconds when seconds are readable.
9,00
